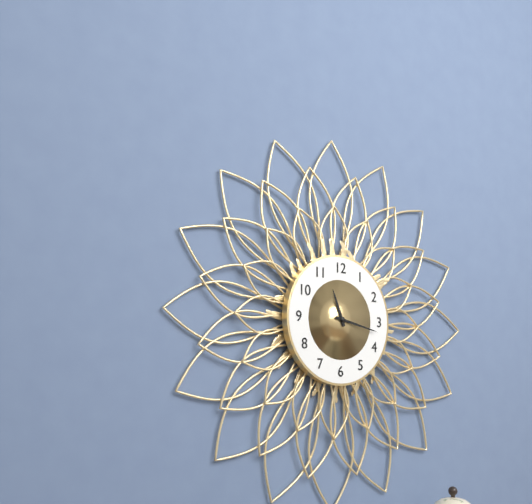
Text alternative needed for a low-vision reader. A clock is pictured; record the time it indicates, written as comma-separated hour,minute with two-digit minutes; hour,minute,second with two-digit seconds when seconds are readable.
11,17
